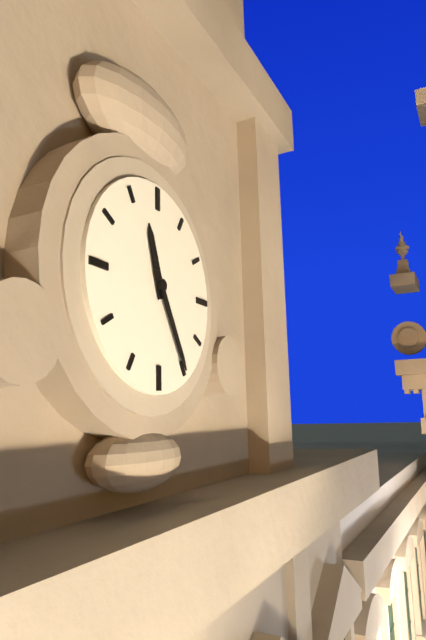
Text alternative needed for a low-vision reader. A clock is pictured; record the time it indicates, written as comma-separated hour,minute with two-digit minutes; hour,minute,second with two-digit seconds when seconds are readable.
11,25
